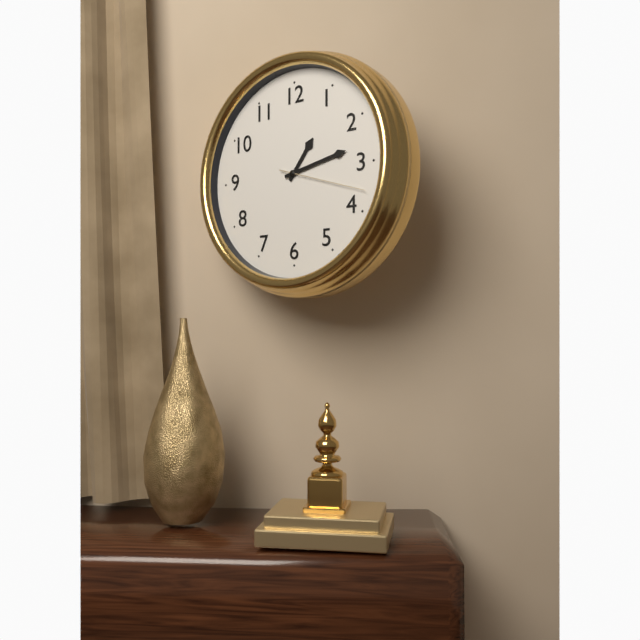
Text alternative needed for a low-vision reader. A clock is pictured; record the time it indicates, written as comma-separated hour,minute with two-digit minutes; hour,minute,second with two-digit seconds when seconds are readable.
1,13,18
